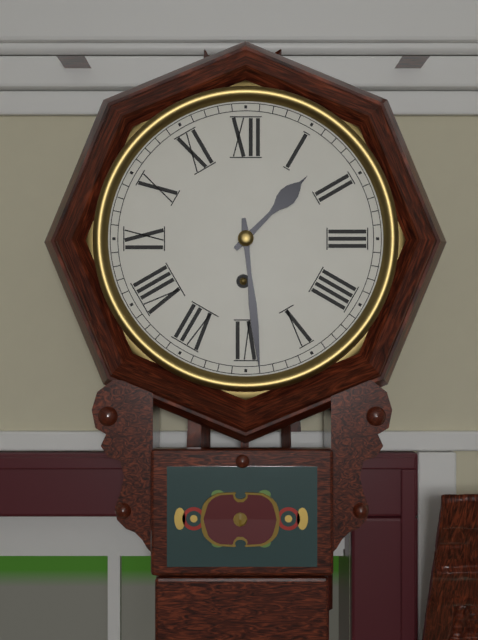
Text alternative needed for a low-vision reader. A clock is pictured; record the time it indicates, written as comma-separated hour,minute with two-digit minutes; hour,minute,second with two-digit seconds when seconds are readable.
1,29
